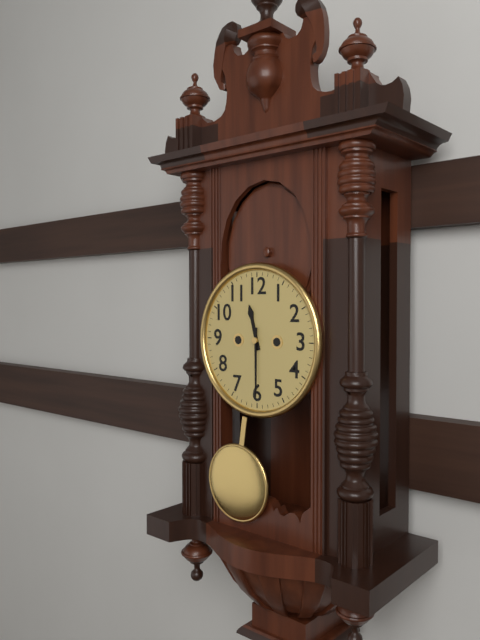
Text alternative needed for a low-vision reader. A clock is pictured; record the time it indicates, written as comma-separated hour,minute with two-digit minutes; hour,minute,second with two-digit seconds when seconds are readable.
11,30
